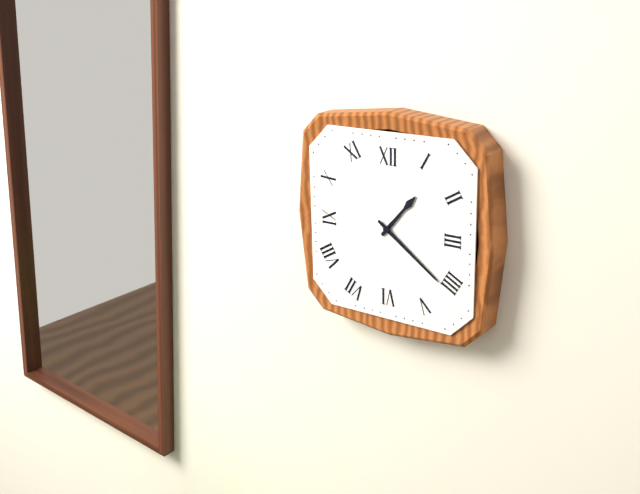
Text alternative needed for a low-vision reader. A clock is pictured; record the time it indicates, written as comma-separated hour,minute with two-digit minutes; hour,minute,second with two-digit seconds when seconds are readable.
1,21
